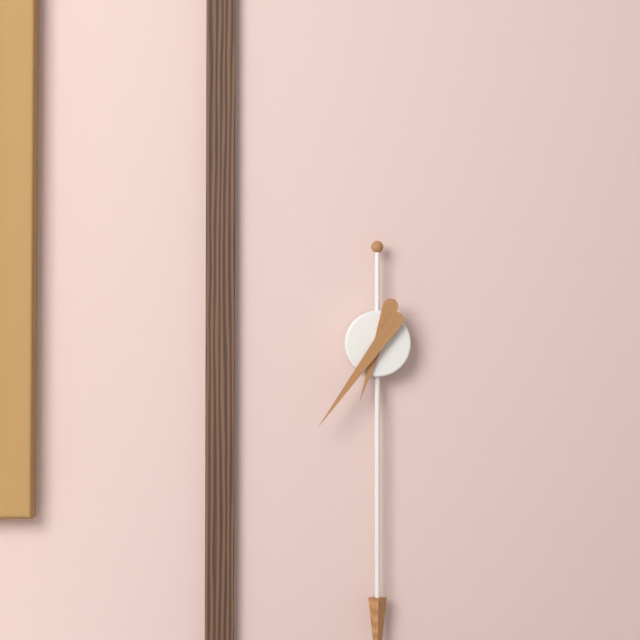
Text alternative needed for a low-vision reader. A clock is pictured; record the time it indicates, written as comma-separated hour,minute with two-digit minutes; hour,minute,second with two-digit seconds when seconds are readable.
6,36
